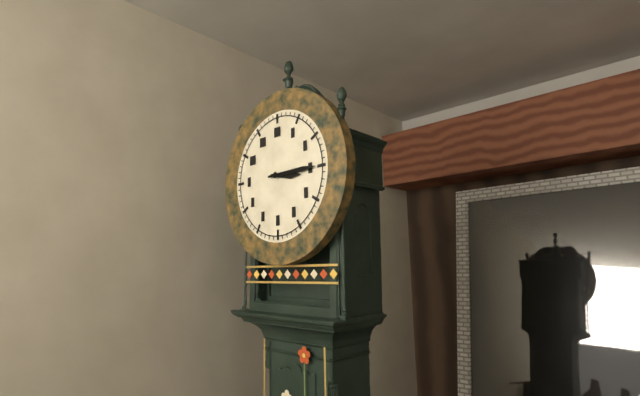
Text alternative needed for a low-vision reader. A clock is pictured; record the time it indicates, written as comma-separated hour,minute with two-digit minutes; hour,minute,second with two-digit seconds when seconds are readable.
3,15
